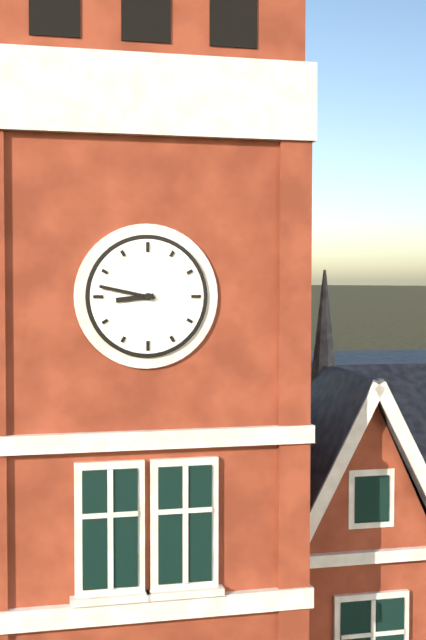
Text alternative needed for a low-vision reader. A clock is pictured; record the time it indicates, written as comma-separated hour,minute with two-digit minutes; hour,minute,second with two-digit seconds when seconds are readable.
8,47
